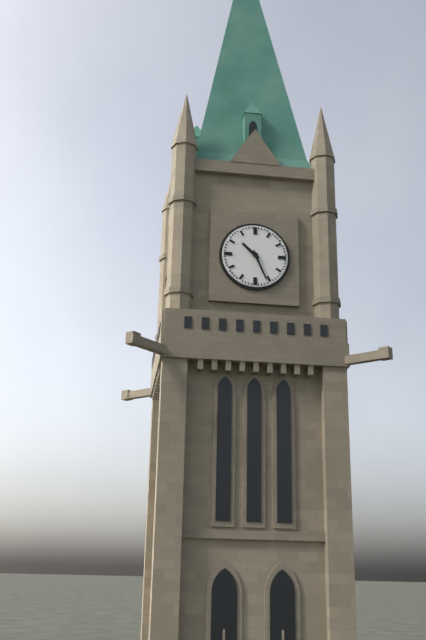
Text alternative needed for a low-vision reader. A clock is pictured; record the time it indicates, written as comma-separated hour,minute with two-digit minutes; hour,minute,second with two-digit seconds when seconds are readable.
10,26
